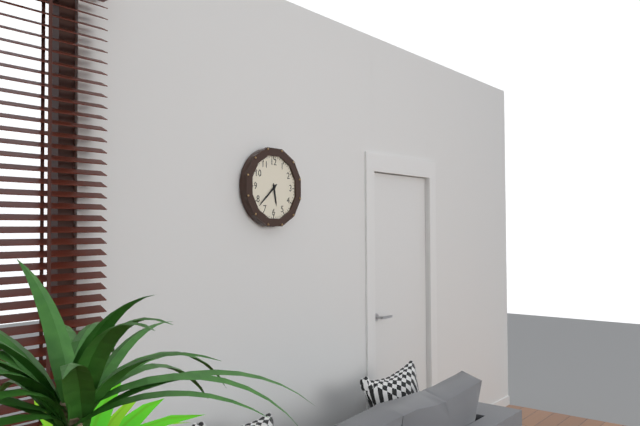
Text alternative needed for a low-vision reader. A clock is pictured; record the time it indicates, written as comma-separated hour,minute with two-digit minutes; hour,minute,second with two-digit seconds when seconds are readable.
5,38
